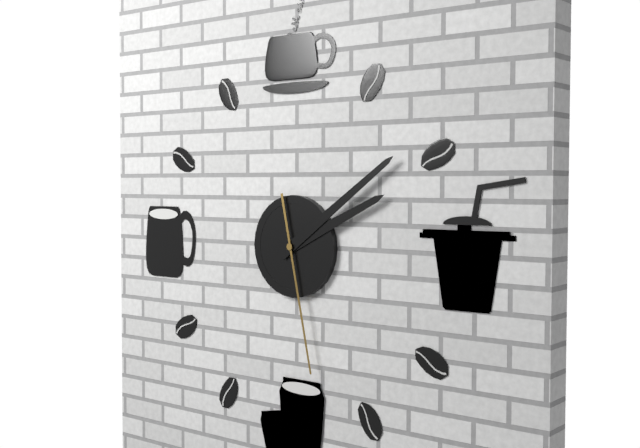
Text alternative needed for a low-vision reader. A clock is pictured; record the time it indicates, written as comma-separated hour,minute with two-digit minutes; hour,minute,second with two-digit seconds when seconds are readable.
2,09,28
